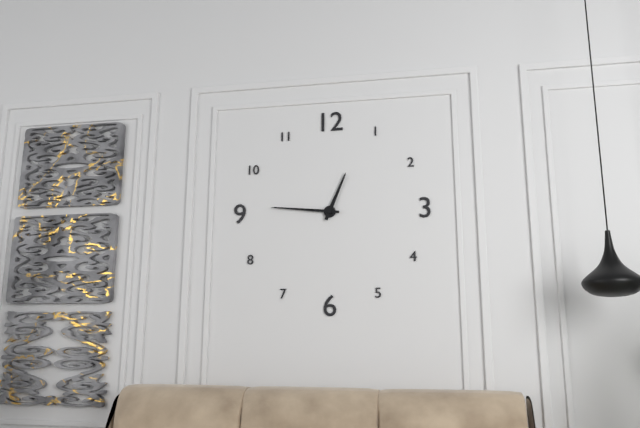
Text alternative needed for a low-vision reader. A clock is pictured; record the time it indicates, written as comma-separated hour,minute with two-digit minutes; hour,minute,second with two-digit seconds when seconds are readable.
12,46
